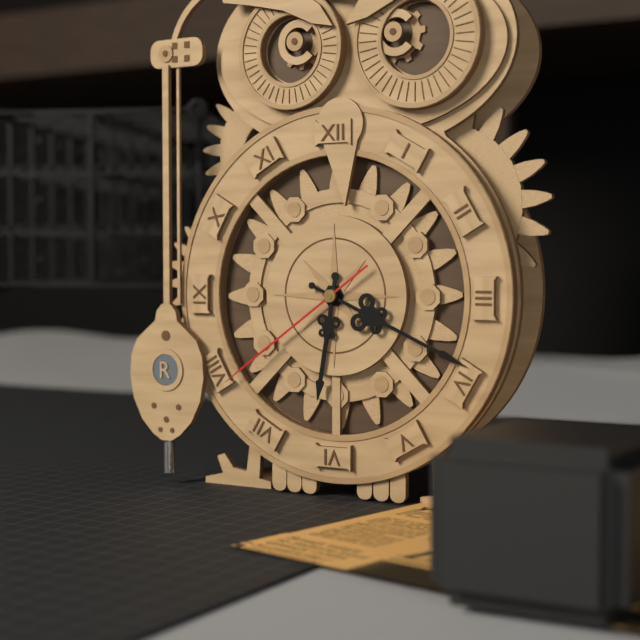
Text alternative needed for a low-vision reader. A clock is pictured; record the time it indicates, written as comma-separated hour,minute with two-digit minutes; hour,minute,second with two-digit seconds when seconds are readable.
6,19,39
